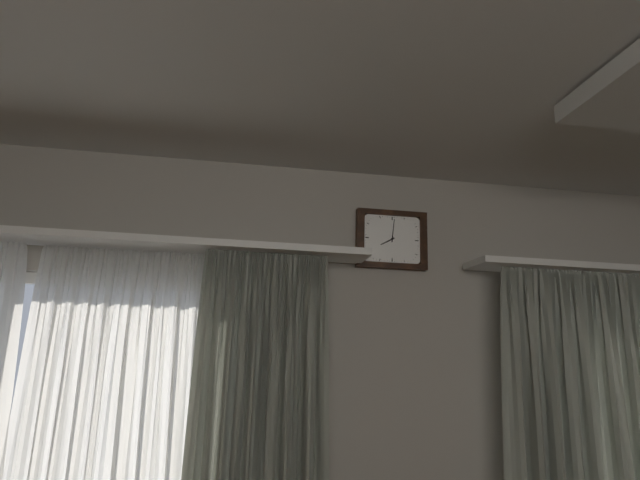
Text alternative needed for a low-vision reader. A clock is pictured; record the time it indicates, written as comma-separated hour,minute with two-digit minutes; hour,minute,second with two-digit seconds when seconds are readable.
8,01
